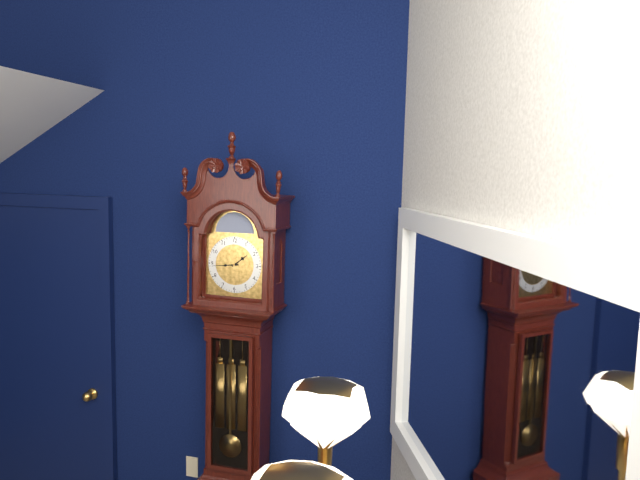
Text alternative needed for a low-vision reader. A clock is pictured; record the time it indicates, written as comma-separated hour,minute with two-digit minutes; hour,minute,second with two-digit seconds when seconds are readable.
1,44
